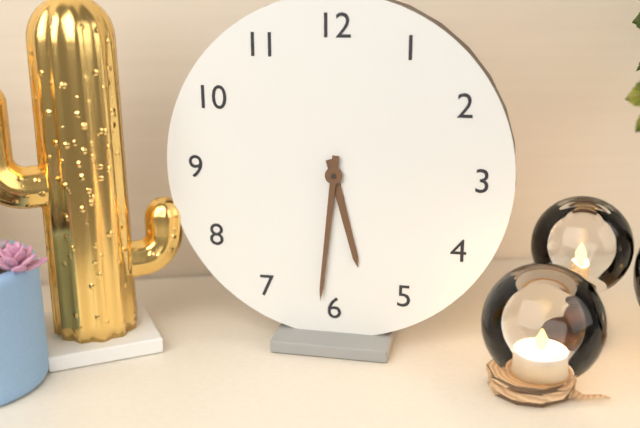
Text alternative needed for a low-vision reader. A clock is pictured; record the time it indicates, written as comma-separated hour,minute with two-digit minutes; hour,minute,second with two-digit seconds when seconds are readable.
5,31
